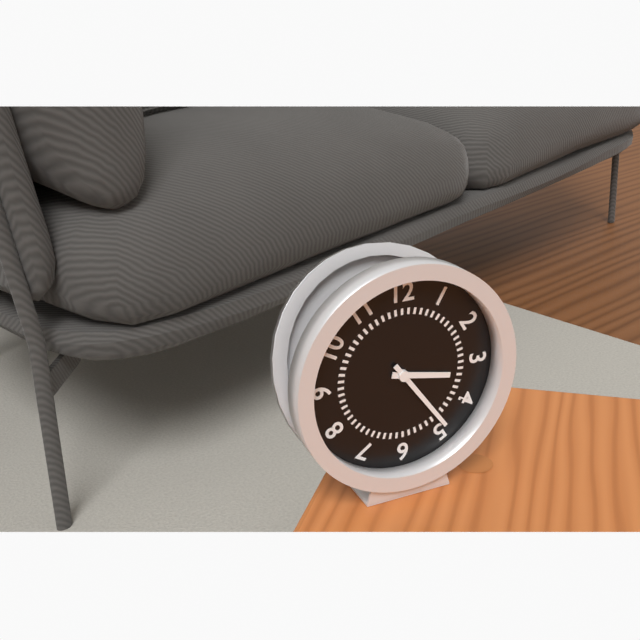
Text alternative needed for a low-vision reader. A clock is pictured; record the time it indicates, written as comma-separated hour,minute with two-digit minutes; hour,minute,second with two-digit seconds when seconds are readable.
3,24
